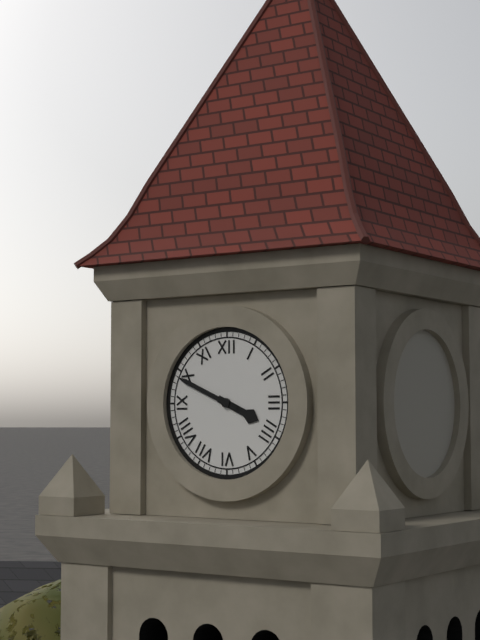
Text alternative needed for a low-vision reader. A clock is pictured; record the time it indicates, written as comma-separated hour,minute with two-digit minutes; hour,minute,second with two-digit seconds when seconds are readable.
3,49
